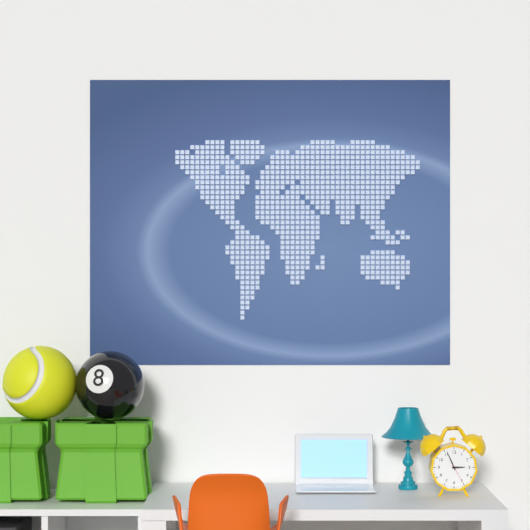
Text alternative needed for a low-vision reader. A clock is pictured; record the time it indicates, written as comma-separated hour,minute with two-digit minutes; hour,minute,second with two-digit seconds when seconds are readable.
2,56
